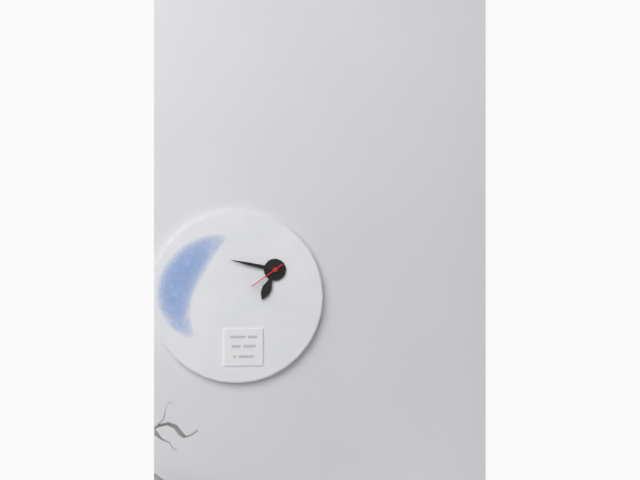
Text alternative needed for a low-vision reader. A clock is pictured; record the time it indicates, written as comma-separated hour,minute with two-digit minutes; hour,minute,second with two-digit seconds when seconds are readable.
6,47
